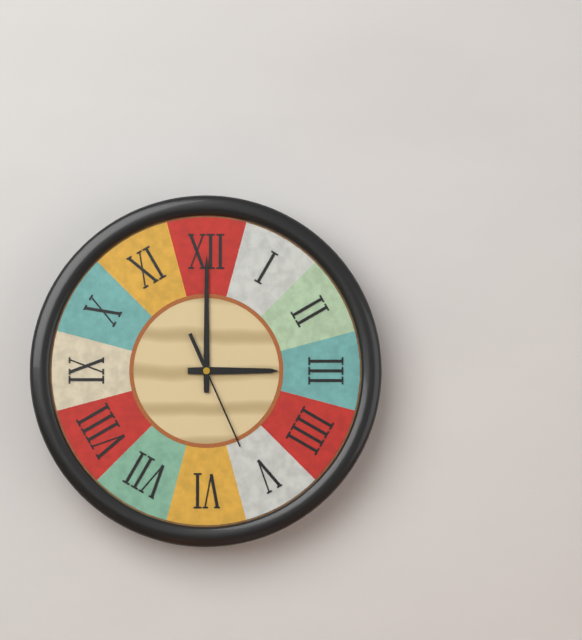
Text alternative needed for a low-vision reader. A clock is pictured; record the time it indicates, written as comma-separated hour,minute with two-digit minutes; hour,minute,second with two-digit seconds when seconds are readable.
3,00,26
